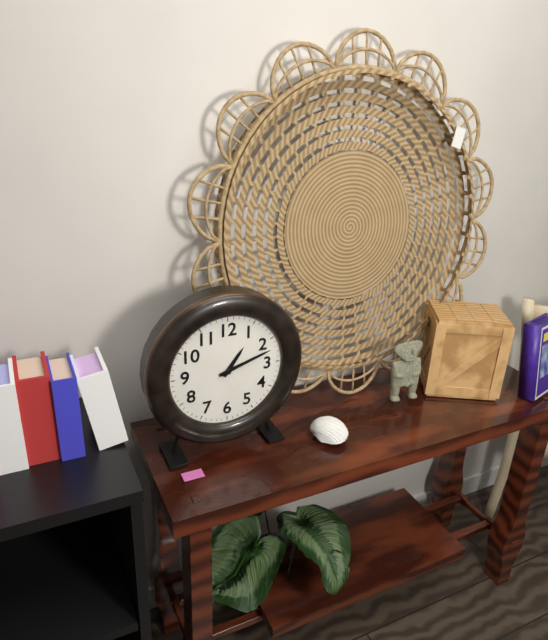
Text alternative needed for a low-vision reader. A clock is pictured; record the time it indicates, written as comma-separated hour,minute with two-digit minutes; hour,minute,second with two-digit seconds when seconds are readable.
1,12
